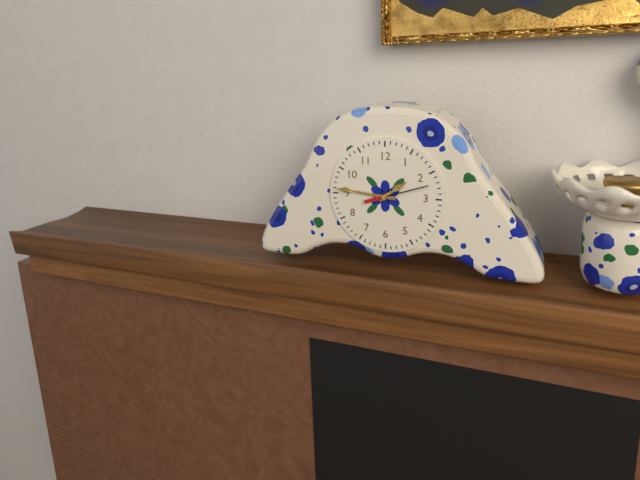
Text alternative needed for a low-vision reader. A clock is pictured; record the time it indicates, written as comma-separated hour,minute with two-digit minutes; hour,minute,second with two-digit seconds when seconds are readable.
1,46
